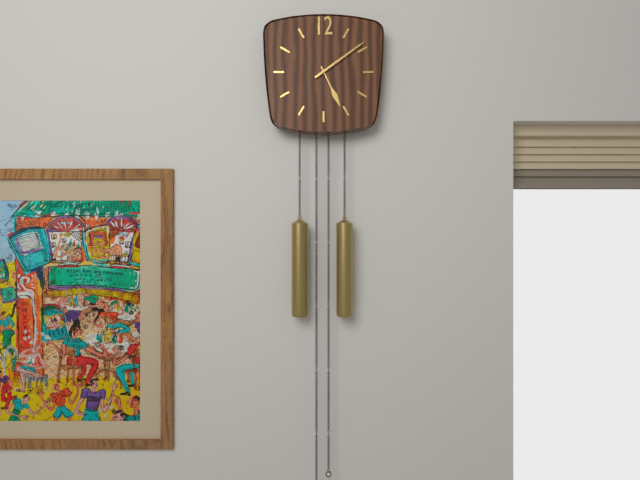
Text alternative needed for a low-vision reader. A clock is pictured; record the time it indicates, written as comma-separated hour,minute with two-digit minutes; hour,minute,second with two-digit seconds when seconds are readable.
5,09
